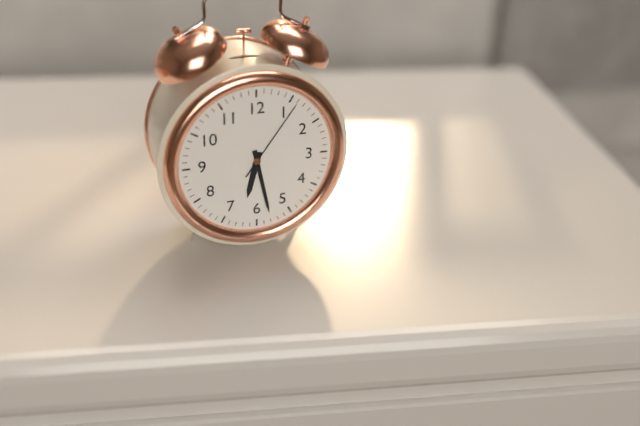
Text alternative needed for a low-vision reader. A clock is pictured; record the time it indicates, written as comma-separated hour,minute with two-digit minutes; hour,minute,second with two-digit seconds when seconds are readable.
6,28,06
